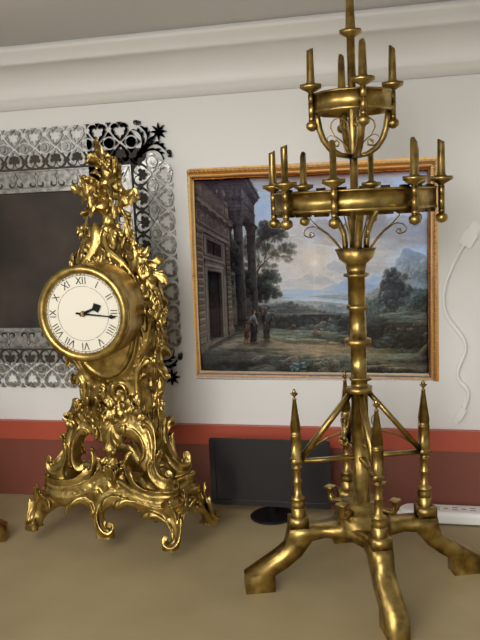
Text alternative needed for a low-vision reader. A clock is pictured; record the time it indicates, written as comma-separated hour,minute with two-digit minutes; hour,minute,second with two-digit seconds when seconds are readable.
2,16
